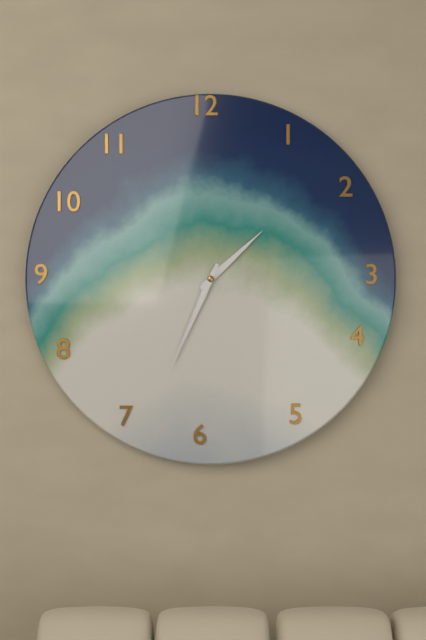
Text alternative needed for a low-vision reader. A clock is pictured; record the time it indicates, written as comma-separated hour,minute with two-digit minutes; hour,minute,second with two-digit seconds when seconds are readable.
1,34
